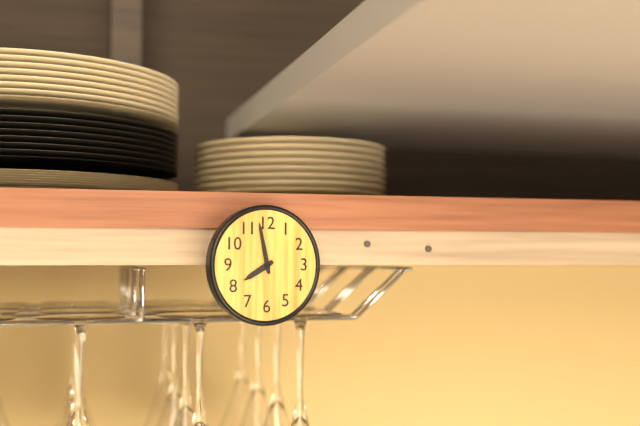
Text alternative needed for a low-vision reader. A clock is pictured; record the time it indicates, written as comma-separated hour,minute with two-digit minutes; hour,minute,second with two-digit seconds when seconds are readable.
7,58
